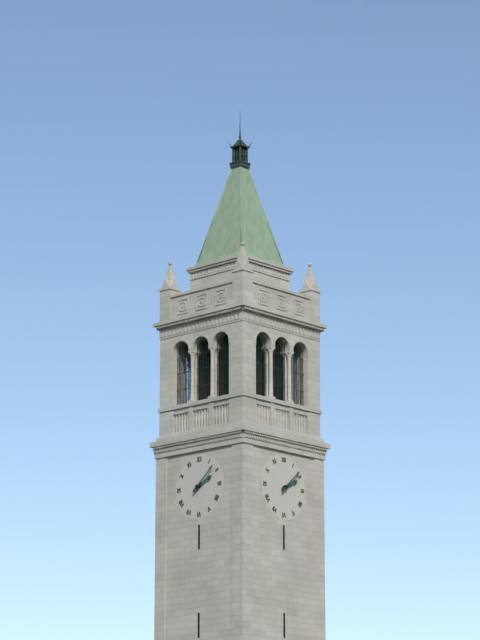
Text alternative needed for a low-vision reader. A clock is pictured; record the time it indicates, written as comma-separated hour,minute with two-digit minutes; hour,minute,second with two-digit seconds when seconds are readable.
2,08
